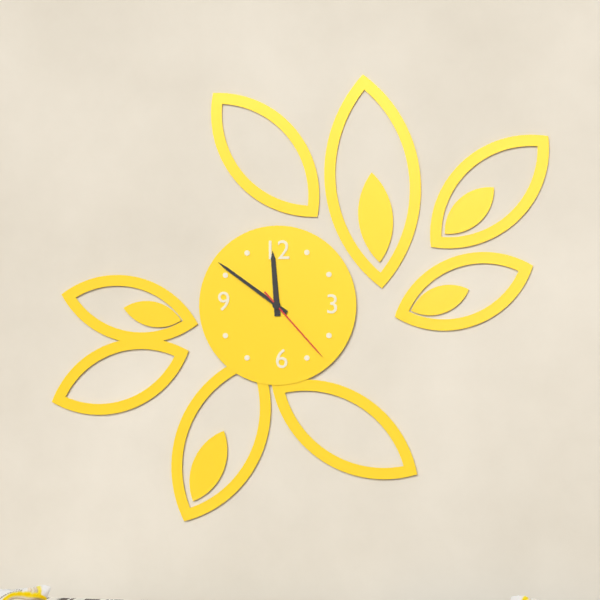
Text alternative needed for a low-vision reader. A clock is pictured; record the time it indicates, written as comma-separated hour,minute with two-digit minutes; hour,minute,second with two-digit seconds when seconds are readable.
11,51,23
